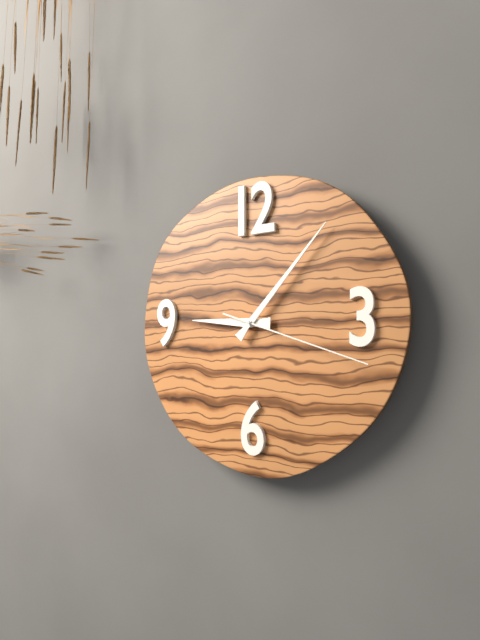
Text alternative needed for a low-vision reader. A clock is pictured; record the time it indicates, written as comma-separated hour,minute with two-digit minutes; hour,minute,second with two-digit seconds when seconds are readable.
9,07,18
